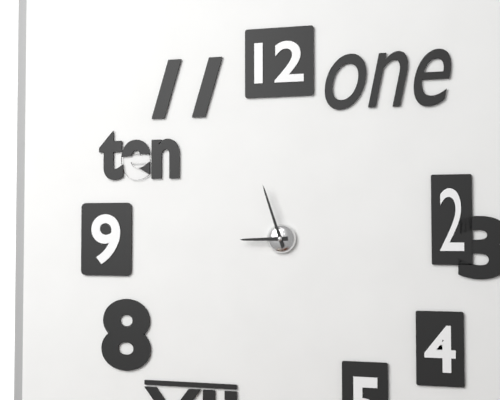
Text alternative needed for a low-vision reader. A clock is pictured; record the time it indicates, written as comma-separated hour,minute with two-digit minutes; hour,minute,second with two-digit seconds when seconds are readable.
8,57
